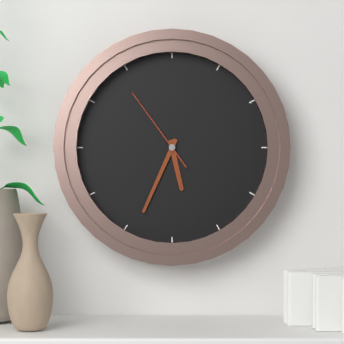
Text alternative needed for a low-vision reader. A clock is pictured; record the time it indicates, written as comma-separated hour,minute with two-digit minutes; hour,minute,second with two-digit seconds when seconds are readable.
5,34,54
